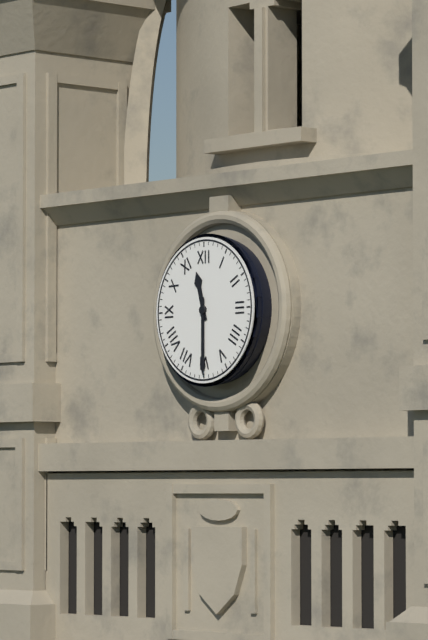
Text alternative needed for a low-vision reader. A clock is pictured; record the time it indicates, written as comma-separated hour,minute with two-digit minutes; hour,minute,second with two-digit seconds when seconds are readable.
11,30
